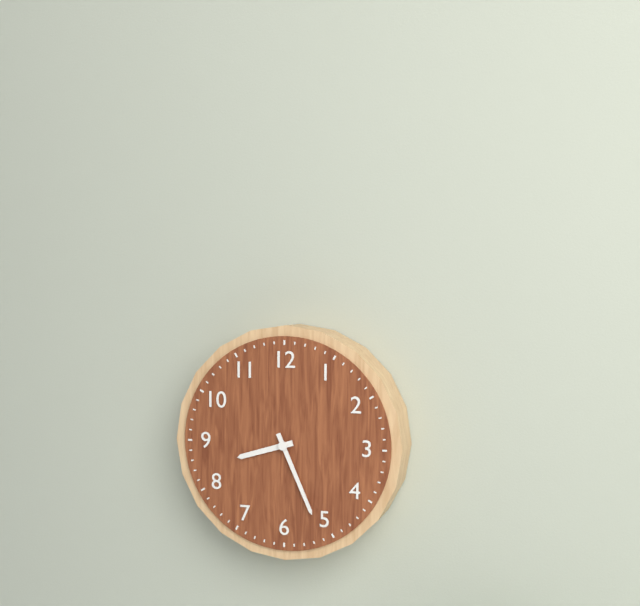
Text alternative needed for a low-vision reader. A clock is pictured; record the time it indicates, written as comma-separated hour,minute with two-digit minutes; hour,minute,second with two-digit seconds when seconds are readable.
8,26
